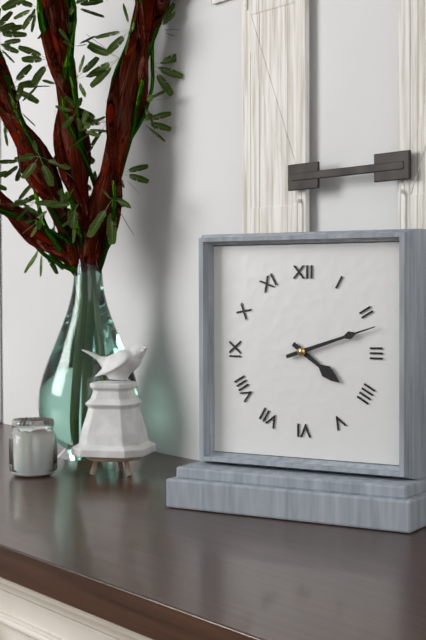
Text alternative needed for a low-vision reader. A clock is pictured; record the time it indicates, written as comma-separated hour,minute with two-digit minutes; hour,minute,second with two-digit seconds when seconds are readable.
4,12
